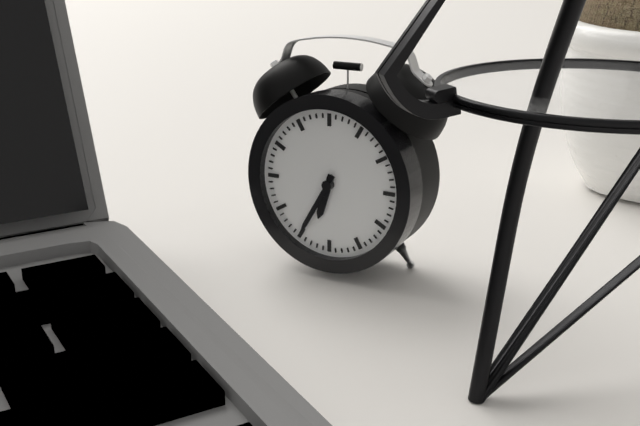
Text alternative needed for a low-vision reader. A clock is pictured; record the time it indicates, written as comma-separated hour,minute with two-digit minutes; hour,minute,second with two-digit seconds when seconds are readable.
6,35
